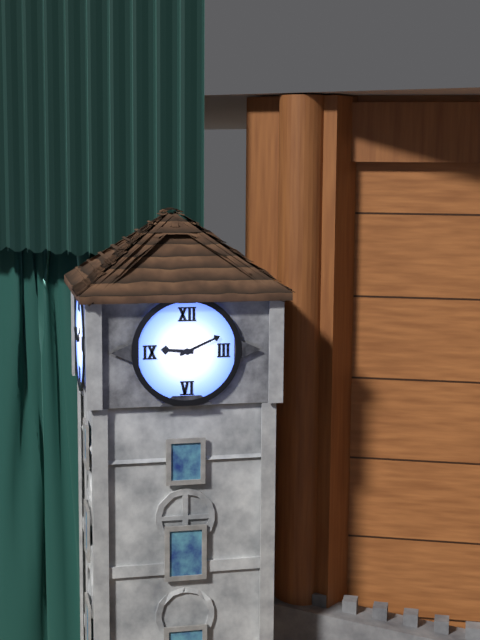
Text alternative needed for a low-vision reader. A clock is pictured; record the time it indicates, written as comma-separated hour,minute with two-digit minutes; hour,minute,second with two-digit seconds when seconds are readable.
9,11
